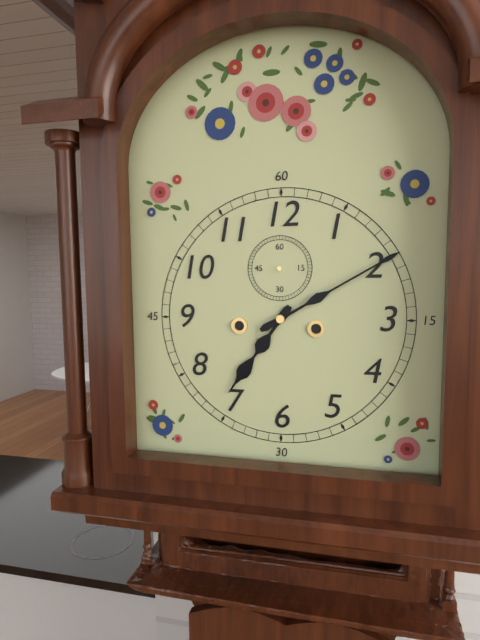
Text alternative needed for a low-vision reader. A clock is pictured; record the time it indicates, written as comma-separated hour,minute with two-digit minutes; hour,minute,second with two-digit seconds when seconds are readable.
7,10
